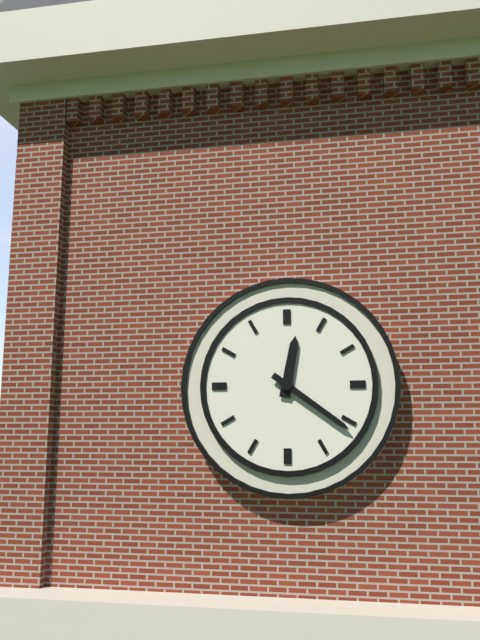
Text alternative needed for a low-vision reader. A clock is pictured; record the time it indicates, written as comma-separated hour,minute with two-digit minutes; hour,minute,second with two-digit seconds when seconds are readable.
12,21
